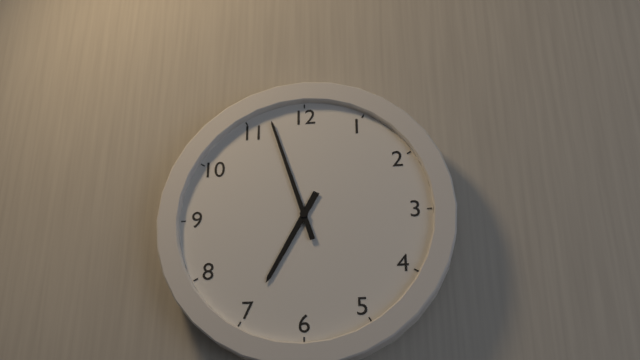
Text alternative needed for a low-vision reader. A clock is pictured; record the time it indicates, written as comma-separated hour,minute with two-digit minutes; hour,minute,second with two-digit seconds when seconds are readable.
6,57
